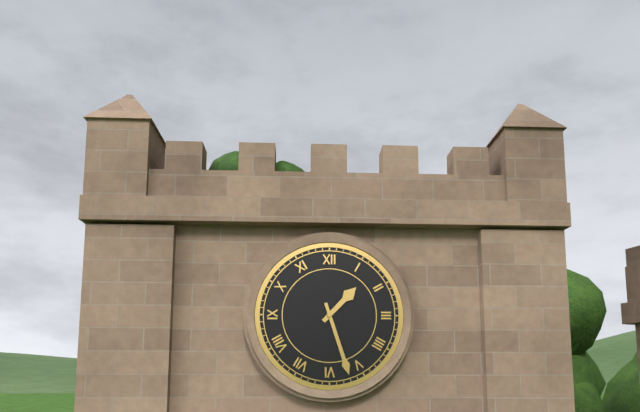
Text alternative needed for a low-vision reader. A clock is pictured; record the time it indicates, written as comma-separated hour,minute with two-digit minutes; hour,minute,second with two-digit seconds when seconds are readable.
1,27
